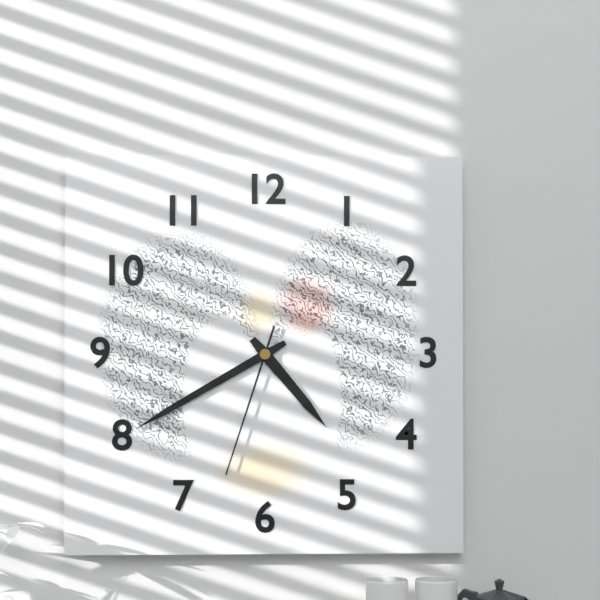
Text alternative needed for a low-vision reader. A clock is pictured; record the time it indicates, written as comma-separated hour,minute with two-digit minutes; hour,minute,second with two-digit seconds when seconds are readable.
4,40,33
